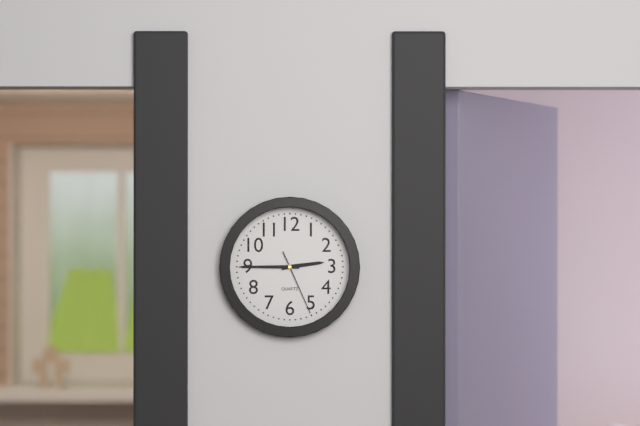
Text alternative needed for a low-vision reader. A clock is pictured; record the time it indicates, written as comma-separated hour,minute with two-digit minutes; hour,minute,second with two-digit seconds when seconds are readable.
2,45,26
